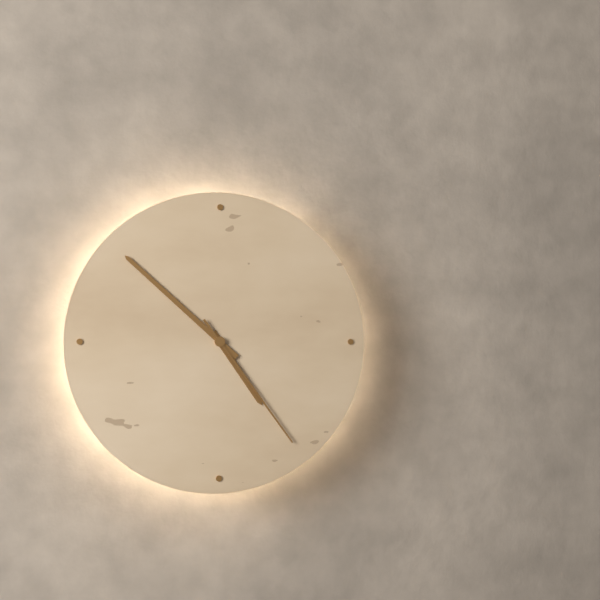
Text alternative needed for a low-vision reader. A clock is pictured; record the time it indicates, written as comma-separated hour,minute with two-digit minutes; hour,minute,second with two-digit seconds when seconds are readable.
4,52,24
